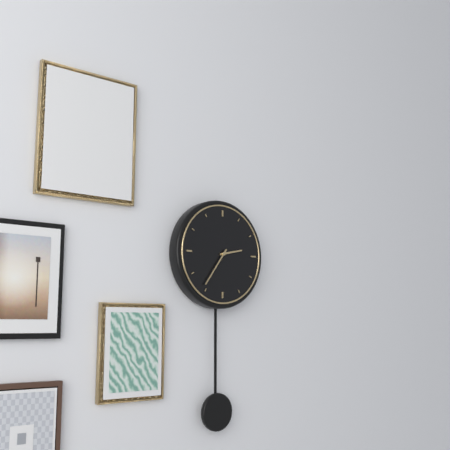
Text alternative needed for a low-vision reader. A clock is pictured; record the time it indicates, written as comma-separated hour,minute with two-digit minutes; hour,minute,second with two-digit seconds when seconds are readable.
2,36
